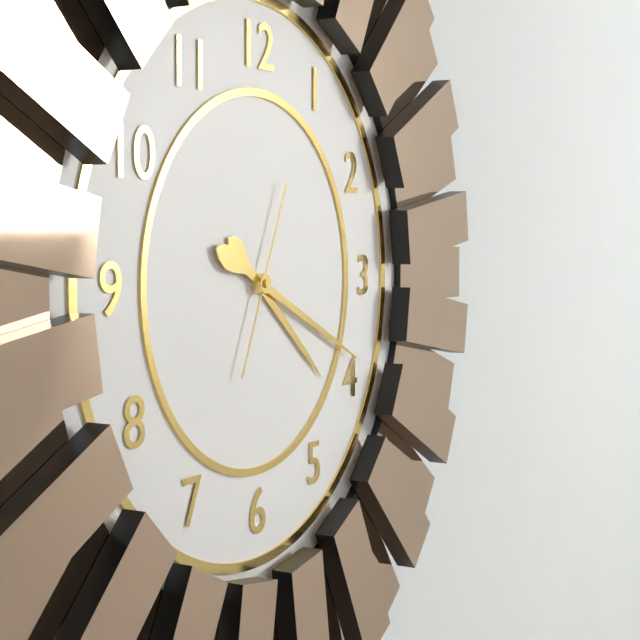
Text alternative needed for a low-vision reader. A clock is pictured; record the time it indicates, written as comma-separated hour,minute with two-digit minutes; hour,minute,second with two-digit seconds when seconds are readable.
4,19,04
